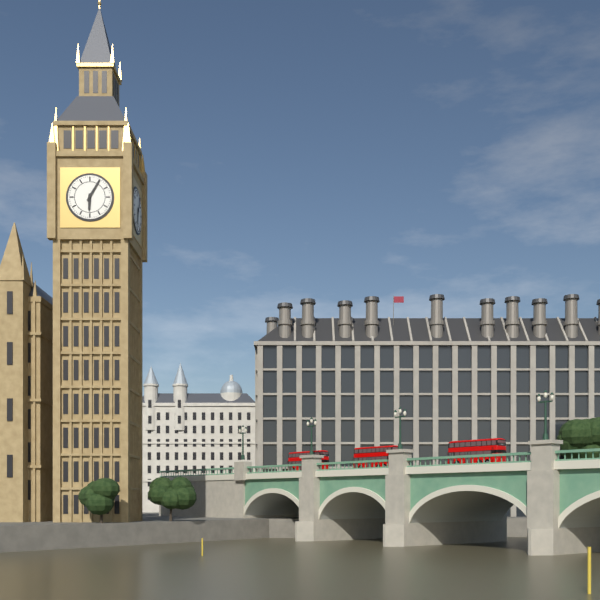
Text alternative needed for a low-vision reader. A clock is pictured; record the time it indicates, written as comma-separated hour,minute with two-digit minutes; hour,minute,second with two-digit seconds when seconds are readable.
6,05
